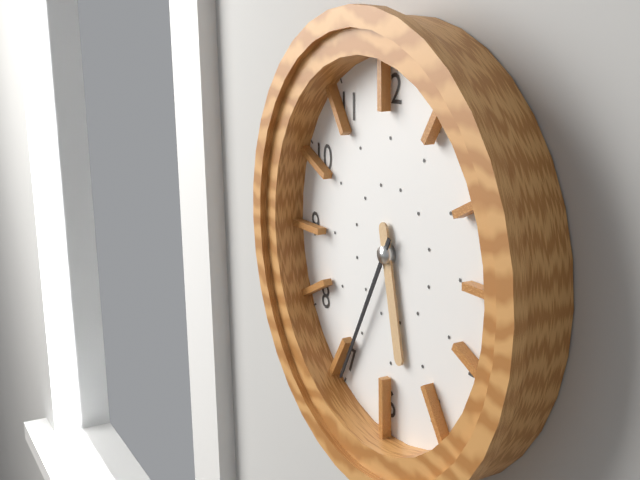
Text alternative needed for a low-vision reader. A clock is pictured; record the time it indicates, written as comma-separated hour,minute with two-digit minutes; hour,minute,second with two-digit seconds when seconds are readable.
5,35
